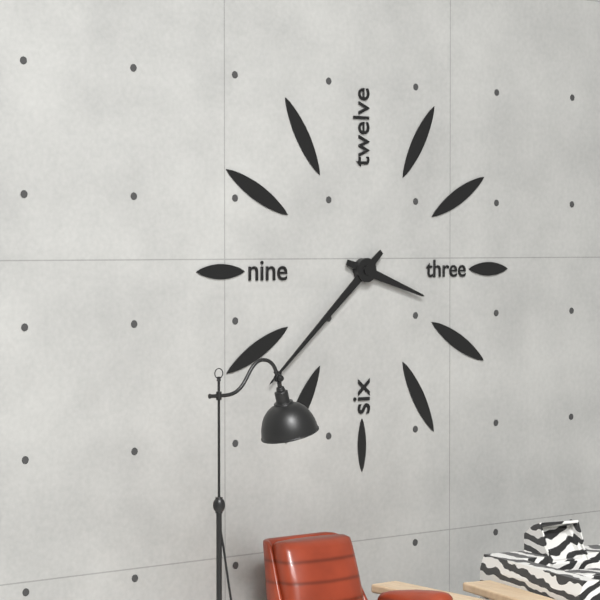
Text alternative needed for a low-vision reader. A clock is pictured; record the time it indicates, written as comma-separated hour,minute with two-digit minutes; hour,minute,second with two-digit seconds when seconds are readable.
3,38
